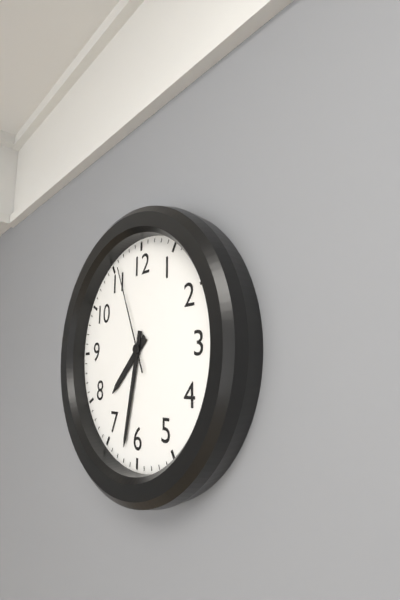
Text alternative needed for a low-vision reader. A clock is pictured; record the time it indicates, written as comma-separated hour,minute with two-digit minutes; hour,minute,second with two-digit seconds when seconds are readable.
7,32,56
